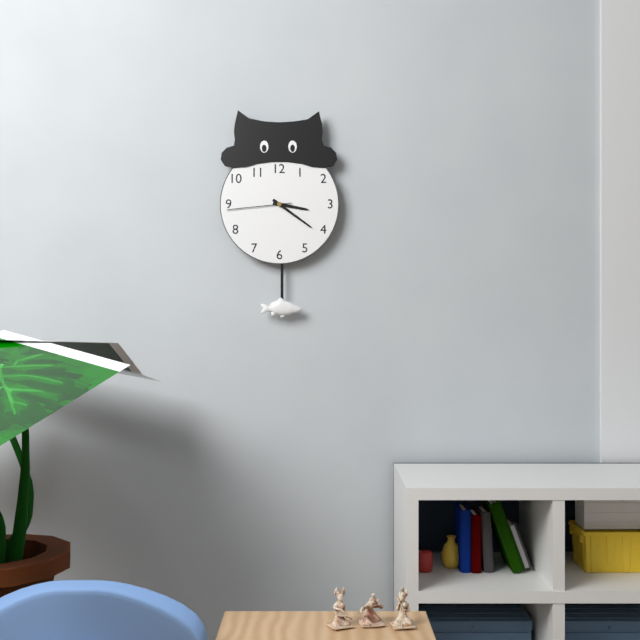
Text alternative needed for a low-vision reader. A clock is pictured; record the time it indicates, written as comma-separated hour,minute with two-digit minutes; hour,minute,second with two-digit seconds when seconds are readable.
3,21,44
